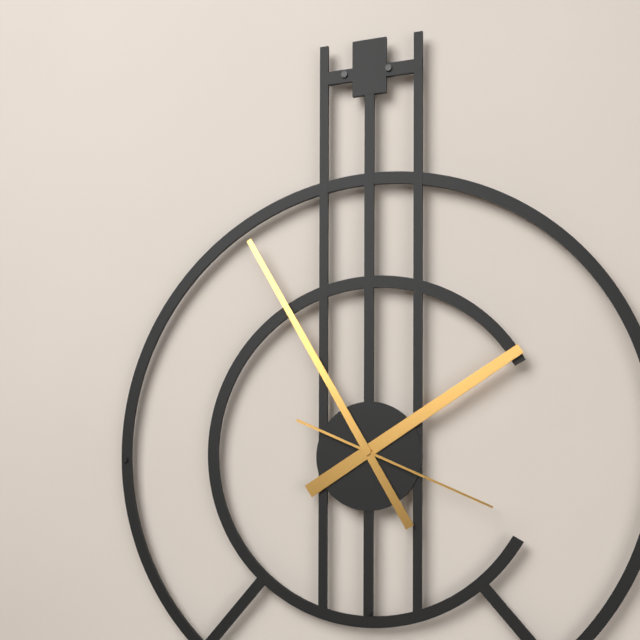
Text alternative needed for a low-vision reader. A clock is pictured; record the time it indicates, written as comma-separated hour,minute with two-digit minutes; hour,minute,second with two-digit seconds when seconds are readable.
1,55,19
